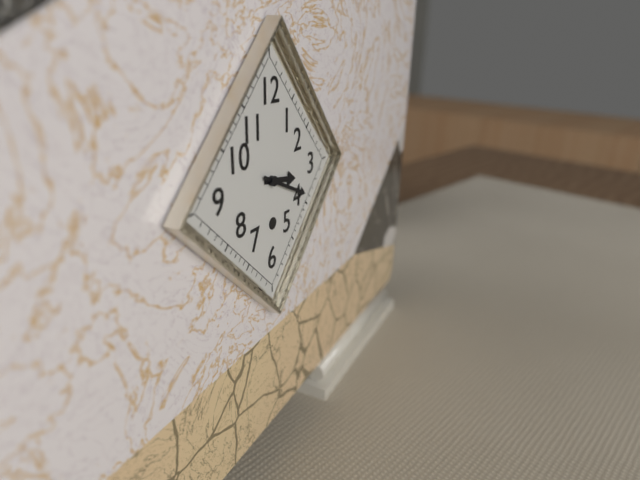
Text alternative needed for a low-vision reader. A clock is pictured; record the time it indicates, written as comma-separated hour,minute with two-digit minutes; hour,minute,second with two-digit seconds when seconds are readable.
3,19
